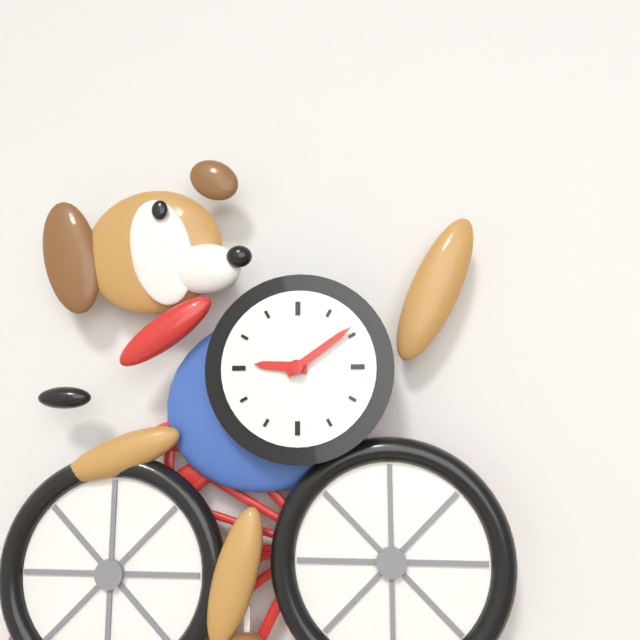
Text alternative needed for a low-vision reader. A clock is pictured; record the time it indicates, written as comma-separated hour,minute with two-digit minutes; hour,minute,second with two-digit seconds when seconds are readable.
9,09
